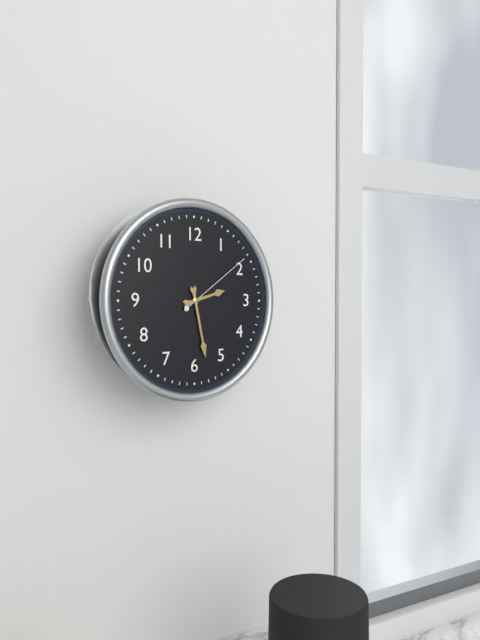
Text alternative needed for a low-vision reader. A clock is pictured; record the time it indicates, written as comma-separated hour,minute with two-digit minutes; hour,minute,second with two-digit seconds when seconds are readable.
2,28,09
